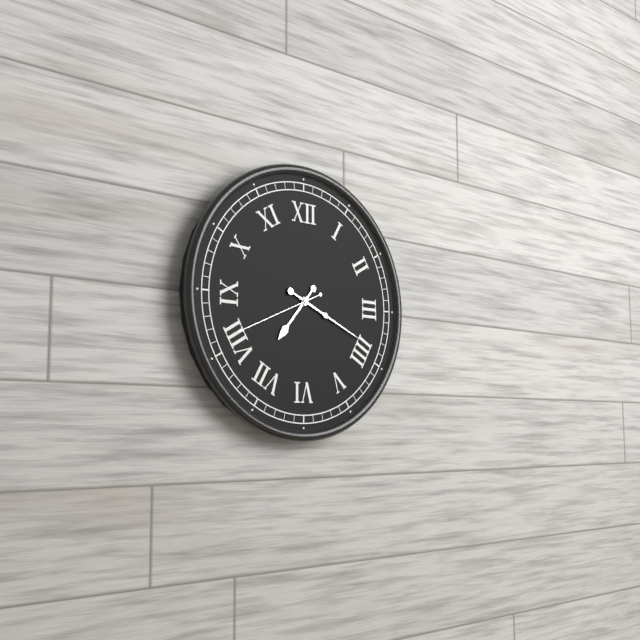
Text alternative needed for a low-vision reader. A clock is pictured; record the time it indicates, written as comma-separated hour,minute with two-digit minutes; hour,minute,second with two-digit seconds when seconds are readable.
7,19,41
